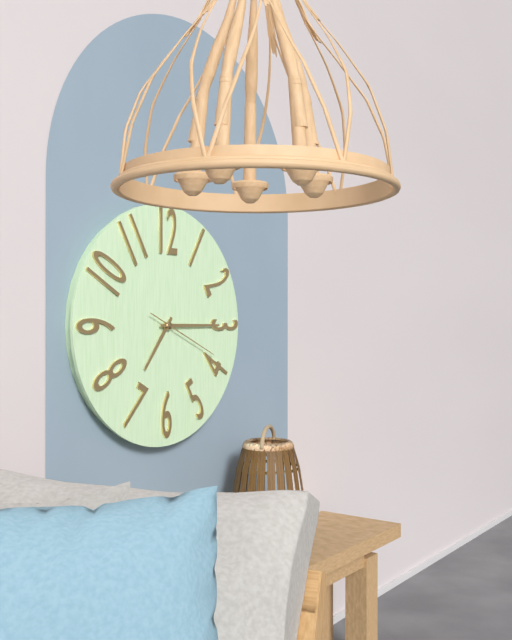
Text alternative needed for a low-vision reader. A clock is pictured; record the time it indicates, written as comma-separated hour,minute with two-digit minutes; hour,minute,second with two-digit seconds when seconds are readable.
7,15,19
